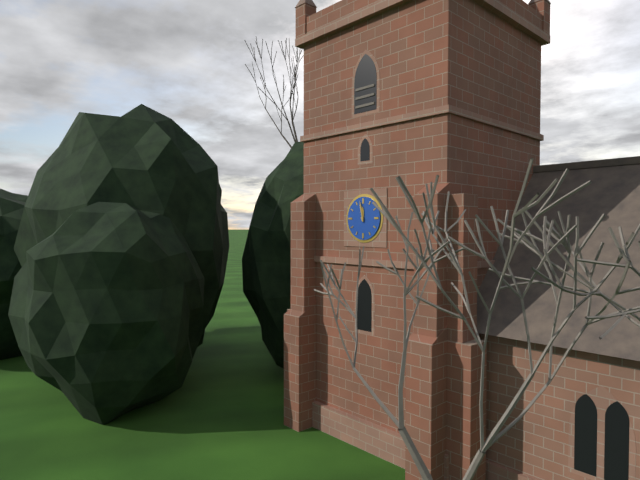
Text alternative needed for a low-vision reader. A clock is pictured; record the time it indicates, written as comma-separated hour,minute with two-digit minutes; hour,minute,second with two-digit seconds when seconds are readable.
11,58
